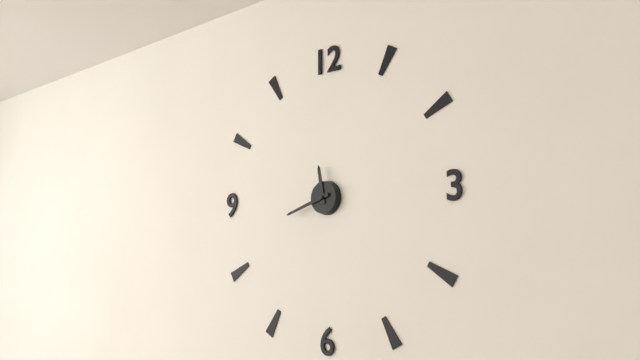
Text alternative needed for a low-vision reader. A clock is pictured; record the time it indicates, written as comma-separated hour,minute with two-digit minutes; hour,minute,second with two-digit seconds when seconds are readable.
11,42
